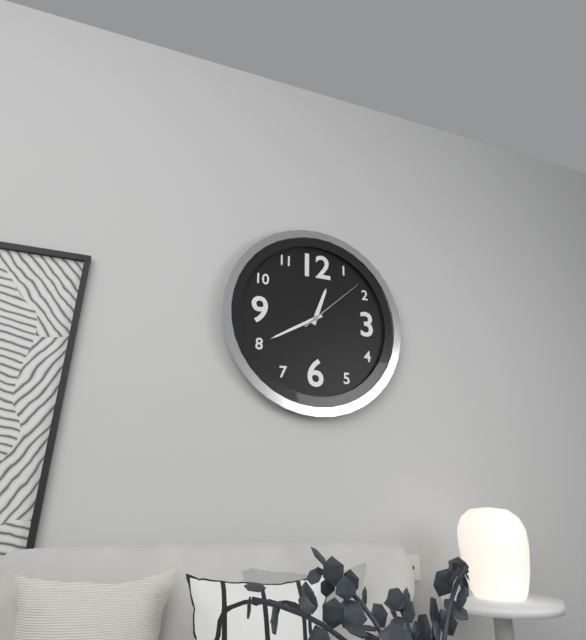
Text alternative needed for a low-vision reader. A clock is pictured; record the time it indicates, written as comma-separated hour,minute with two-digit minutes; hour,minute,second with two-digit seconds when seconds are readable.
12,40,08
